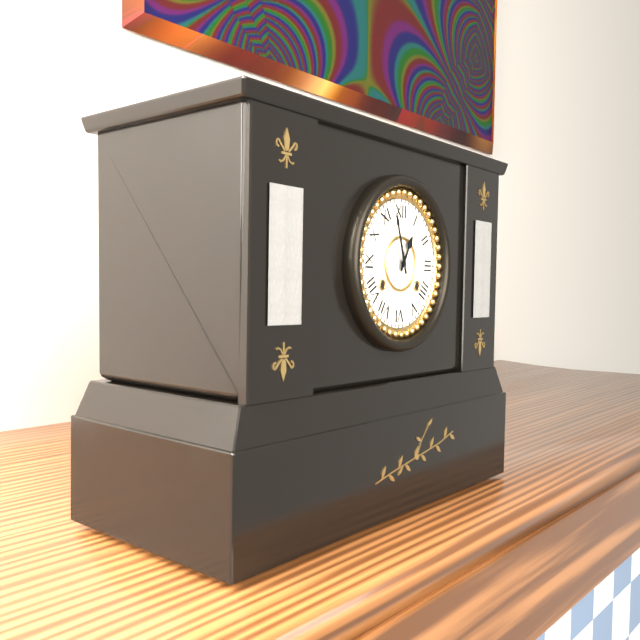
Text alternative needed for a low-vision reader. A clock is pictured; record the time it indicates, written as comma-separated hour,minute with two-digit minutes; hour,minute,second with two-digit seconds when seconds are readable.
12,57
